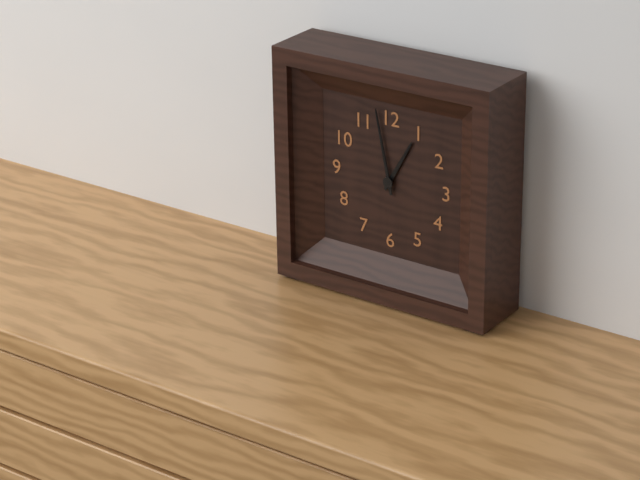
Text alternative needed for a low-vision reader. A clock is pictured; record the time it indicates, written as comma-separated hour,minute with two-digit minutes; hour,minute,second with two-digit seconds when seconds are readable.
12,58
